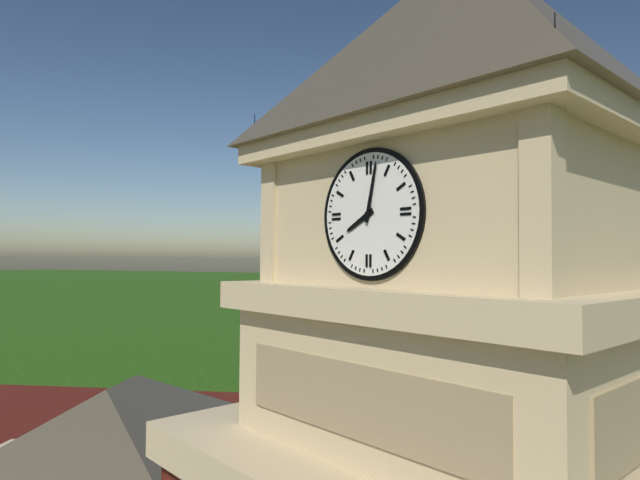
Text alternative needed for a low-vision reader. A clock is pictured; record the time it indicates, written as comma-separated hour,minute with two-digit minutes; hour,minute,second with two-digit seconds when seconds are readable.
8,02
